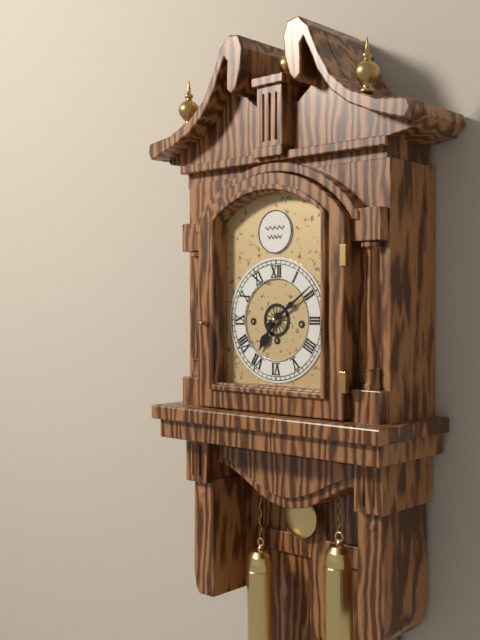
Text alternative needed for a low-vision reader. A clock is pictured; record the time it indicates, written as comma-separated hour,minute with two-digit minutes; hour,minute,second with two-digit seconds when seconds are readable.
7,09
